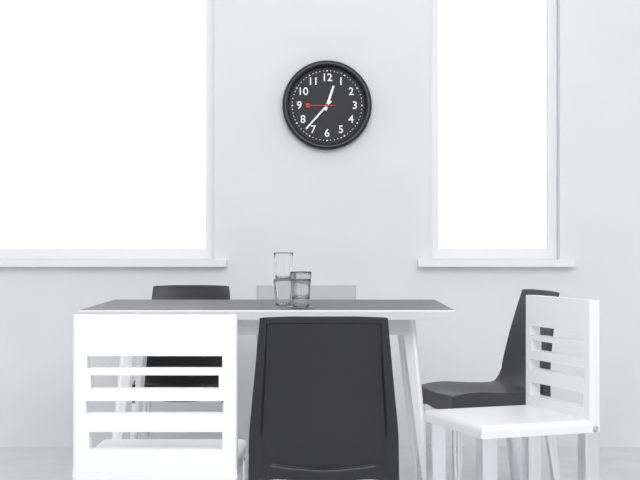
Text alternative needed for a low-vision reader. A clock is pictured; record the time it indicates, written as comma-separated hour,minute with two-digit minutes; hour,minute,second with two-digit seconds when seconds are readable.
12,37
